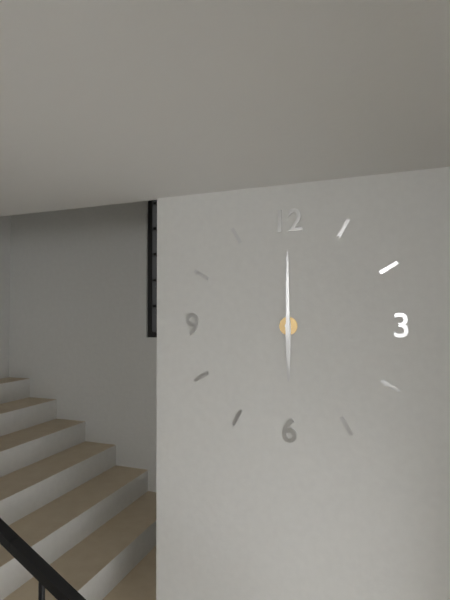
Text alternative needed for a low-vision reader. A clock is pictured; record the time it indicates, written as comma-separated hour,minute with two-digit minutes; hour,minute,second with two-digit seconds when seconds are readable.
6,00
